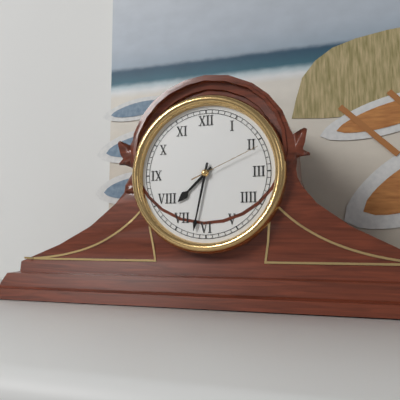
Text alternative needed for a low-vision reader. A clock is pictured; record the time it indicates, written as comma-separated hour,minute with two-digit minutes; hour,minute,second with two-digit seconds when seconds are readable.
7,32,11
